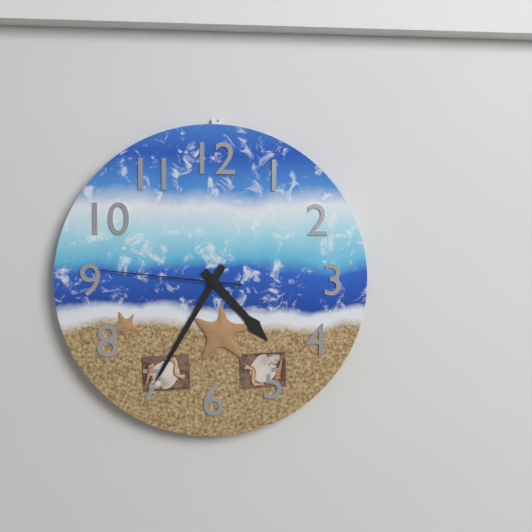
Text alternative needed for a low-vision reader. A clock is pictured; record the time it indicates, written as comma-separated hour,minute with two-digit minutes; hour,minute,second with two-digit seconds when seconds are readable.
4,35,46
